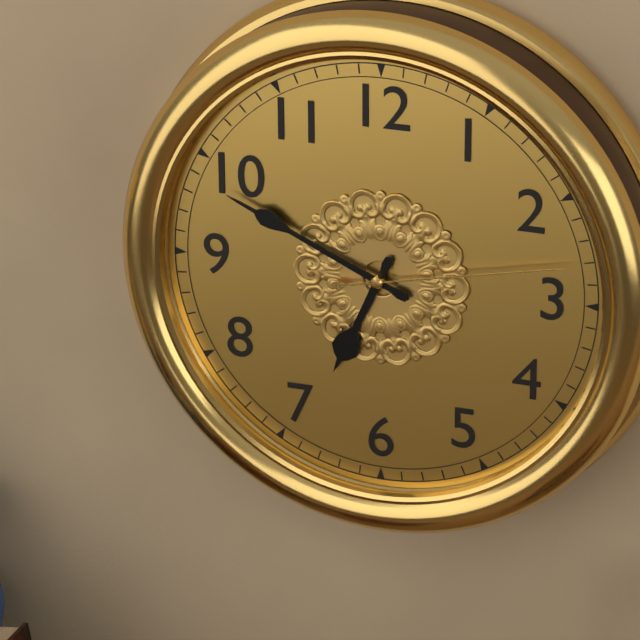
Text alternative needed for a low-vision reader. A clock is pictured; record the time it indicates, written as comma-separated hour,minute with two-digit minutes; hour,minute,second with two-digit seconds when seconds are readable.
6,49,13
